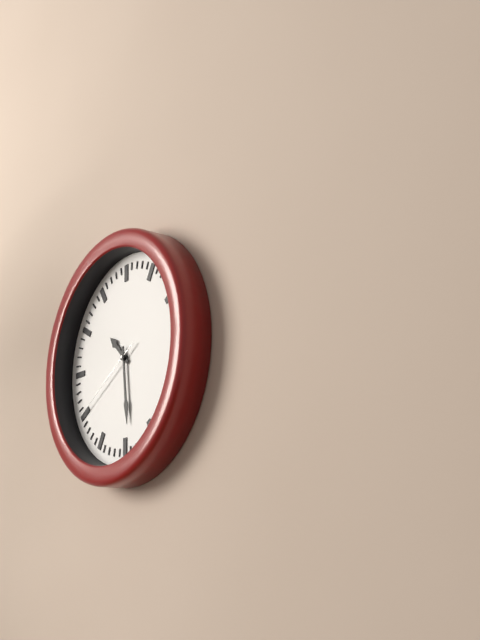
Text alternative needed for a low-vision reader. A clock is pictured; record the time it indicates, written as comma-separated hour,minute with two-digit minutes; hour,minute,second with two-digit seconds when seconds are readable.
10,29,40
